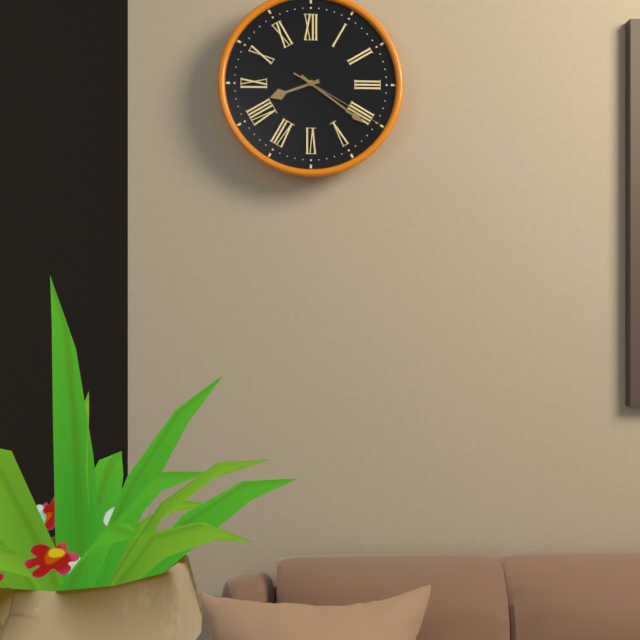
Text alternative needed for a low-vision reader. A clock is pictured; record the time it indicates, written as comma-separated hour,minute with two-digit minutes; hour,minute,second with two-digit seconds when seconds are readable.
8,21,20
